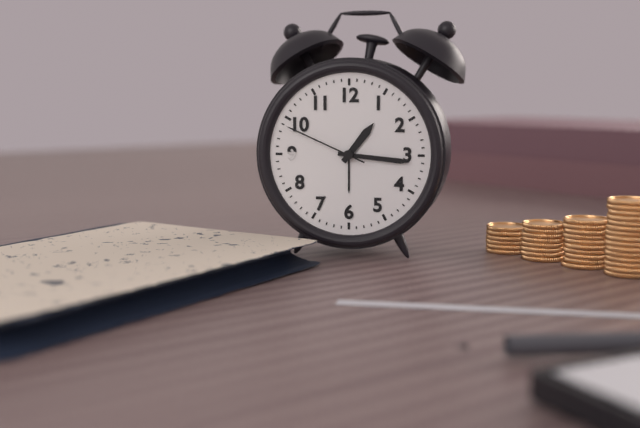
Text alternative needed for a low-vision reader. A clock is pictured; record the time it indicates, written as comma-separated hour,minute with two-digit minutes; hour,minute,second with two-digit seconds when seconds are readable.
1,16,49
